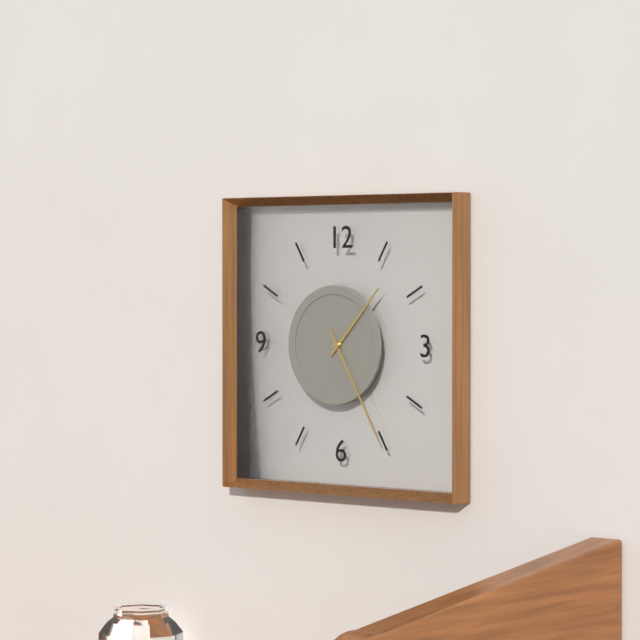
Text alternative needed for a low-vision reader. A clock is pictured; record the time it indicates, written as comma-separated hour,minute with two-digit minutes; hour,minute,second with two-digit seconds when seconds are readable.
1,25
